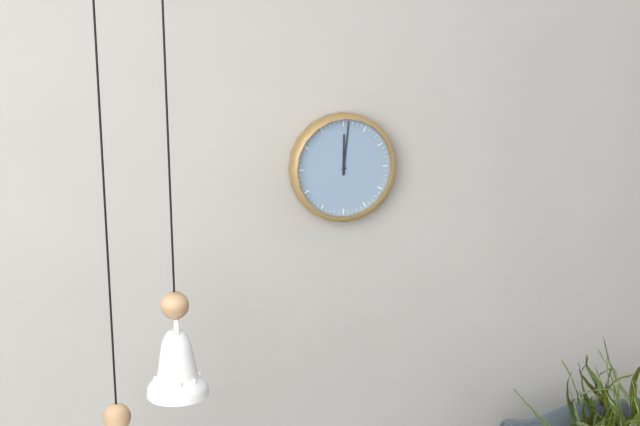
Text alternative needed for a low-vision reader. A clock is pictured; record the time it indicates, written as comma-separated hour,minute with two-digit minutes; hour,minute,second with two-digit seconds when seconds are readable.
12,01
